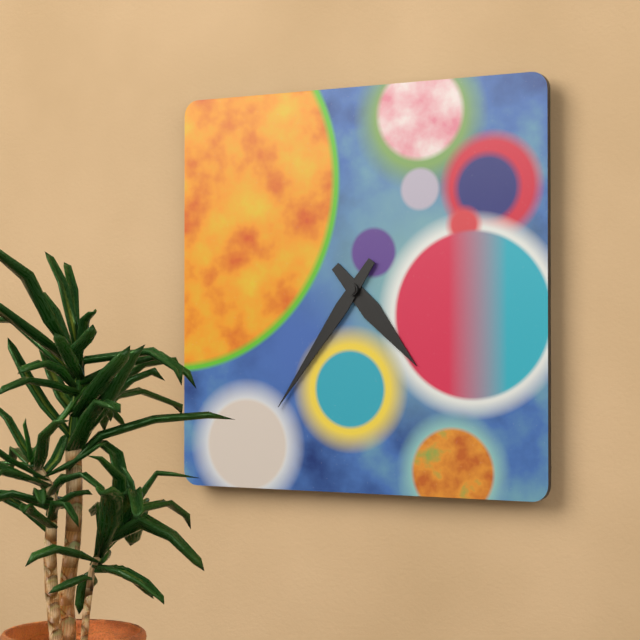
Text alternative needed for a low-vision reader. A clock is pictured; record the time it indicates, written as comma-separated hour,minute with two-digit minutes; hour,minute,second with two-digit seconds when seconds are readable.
4,36
